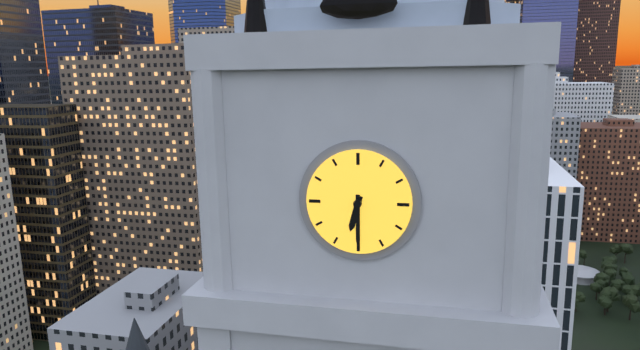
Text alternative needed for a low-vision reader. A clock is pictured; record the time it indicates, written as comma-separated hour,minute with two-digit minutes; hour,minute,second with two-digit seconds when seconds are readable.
6,30
